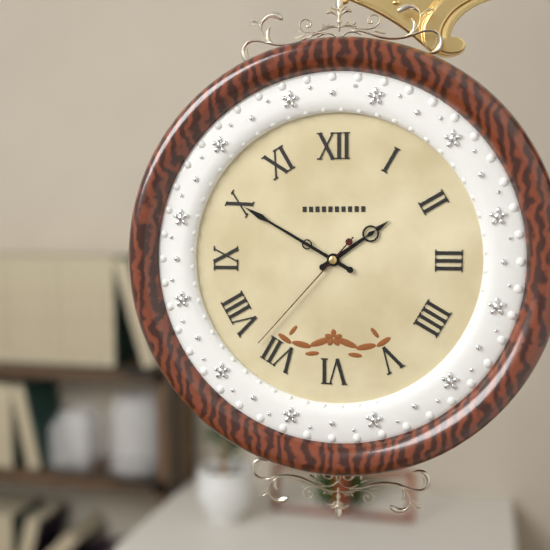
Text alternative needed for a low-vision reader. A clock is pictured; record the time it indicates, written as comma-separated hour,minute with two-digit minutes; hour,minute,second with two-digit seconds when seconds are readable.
1,50,37
